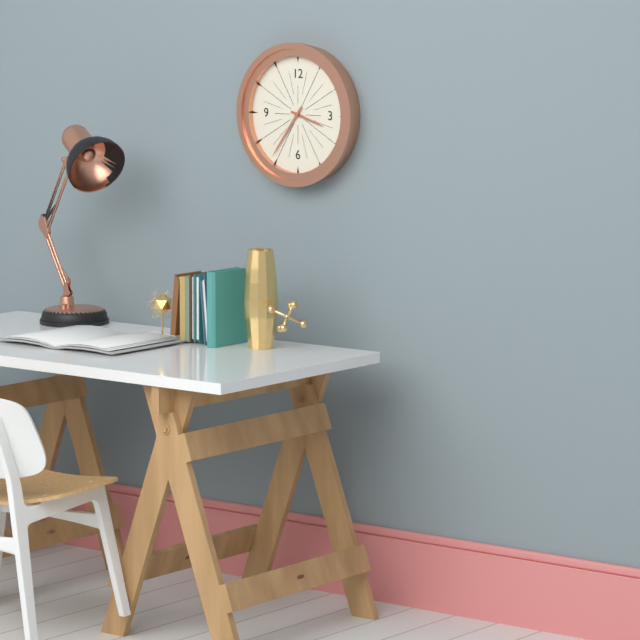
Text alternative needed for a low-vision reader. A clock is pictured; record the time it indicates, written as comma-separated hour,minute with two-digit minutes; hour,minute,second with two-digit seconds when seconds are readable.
3,36
